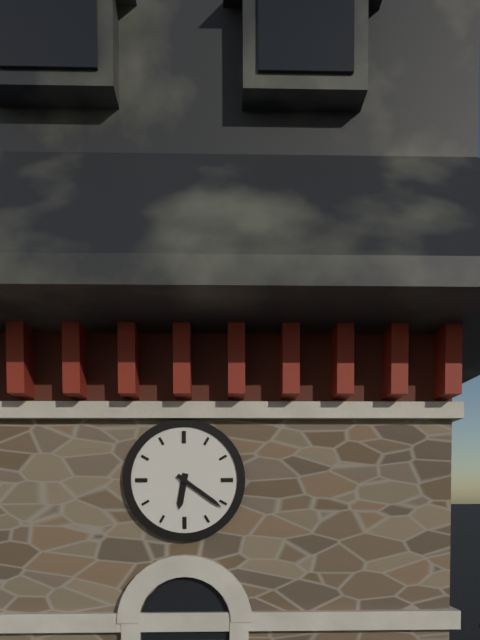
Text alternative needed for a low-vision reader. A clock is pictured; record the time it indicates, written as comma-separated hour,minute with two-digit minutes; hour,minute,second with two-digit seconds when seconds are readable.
6,21
